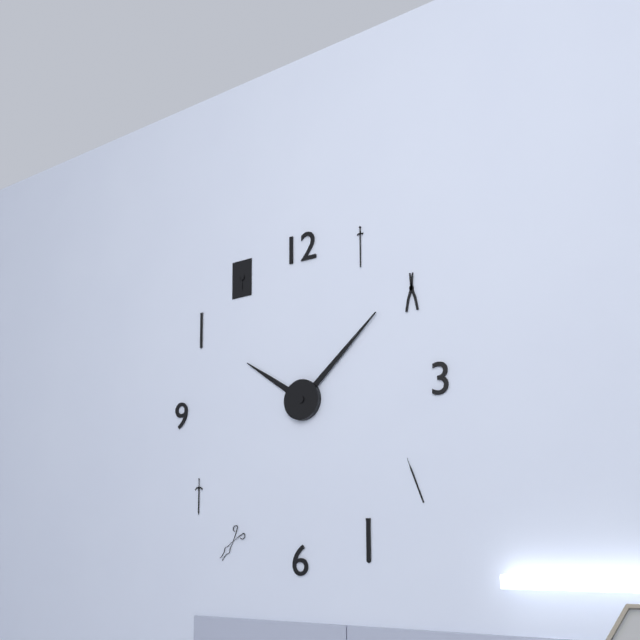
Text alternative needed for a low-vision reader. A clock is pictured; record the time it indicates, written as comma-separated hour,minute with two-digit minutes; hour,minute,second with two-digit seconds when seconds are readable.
10,08
